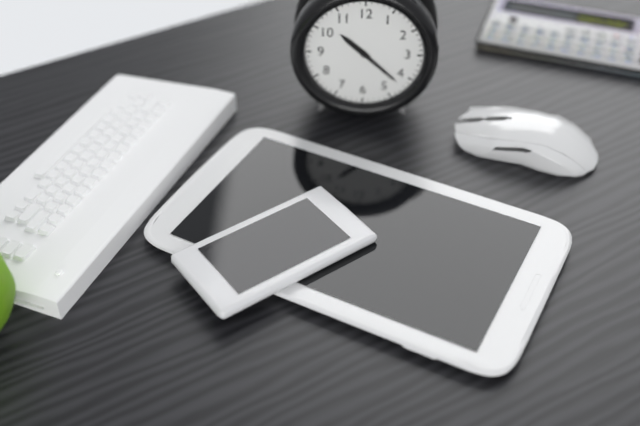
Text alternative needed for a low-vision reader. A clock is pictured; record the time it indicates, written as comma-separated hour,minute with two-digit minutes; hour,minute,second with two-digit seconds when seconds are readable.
10,22
